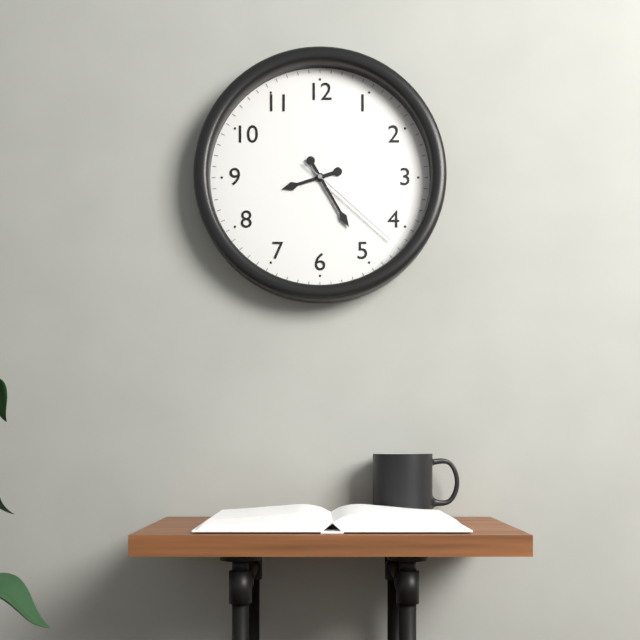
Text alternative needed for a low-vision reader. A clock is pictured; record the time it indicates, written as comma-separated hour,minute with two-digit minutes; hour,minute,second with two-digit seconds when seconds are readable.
8,25,22
